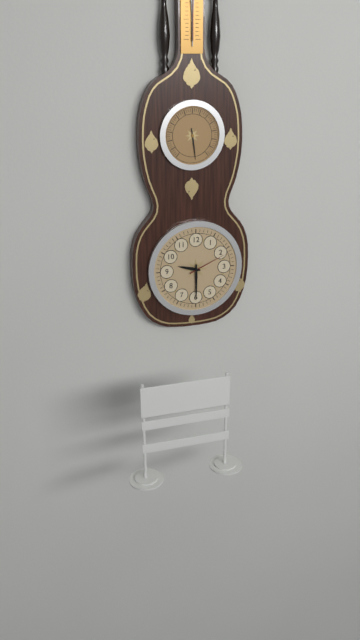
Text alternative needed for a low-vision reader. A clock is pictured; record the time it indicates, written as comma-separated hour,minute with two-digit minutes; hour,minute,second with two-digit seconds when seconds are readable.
9,30
